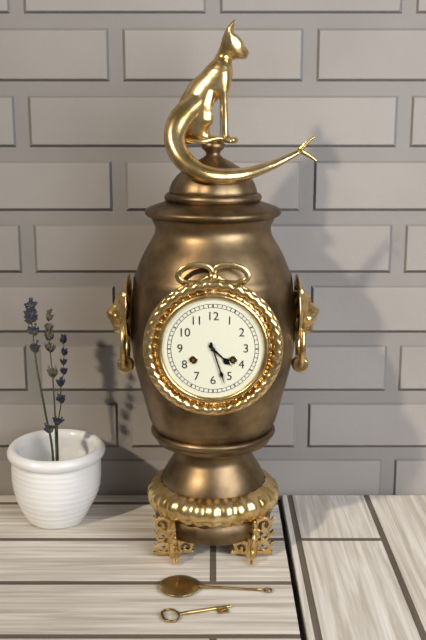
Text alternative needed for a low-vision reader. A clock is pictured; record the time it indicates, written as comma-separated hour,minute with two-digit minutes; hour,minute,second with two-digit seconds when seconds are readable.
4,27
